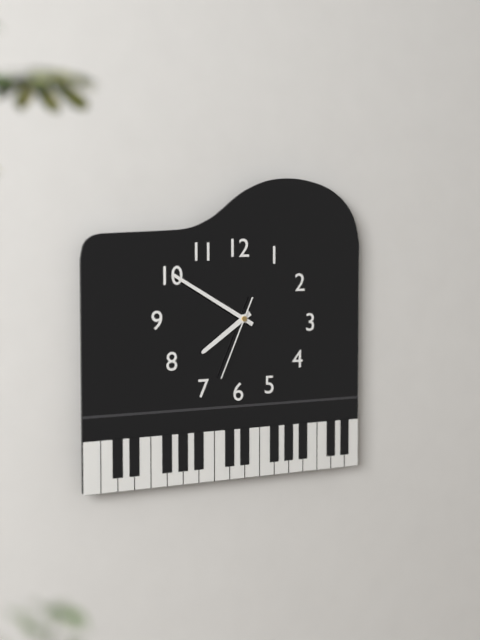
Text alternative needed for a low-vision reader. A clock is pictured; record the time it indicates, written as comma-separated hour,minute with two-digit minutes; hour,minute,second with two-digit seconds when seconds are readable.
7,50,34
